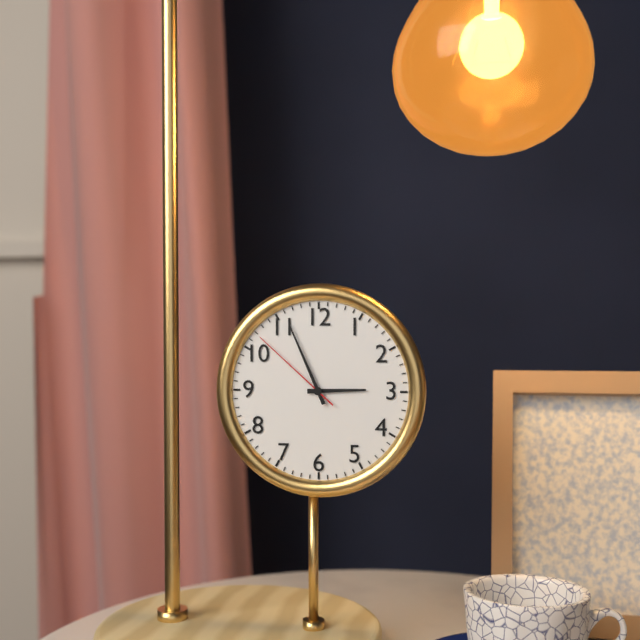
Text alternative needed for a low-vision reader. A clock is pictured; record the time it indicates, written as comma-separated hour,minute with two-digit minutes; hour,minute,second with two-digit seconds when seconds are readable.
2,56,52
